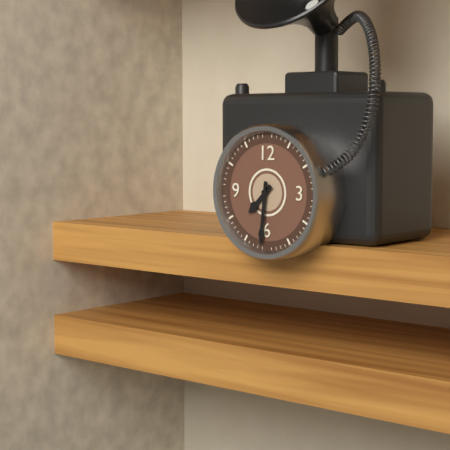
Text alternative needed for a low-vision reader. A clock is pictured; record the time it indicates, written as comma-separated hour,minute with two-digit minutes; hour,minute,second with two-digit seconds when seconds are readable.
7,31
